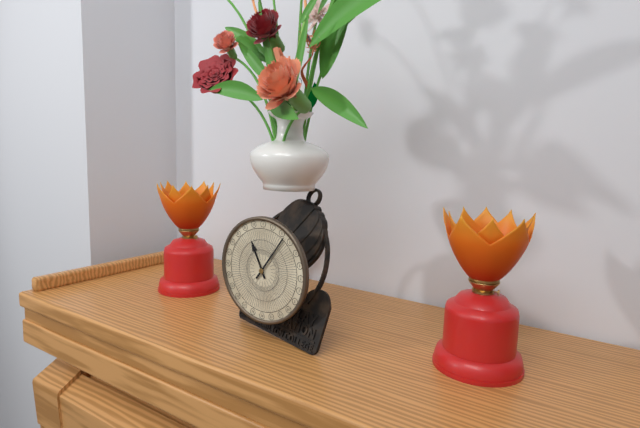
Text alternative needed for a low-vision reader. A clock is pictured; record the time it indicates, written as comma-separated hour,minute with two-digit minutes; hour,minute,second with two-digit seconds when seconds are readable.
11,06
